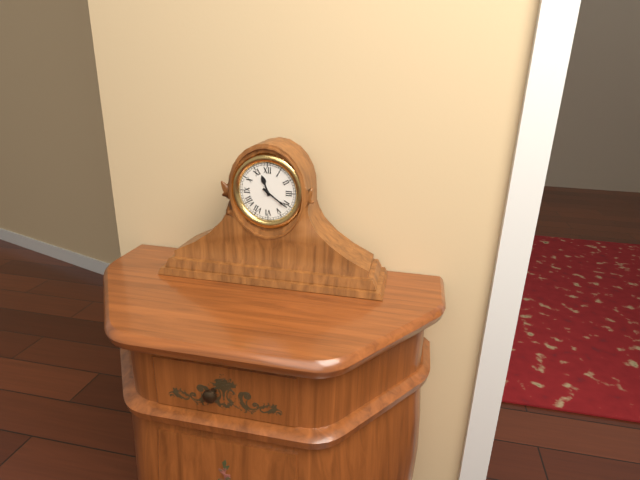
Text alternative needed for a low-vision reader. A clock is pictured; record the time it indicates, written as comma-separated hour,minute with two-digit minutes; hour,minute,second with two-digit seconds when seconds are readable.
11,21
